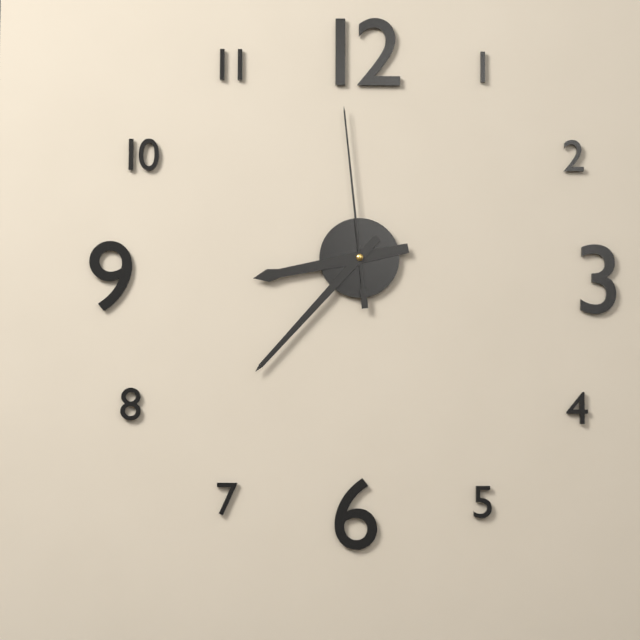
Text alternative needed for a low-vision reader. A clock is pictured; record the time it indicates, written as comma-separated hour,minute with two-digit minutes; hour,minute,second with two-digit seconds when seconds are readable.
8,37,59
